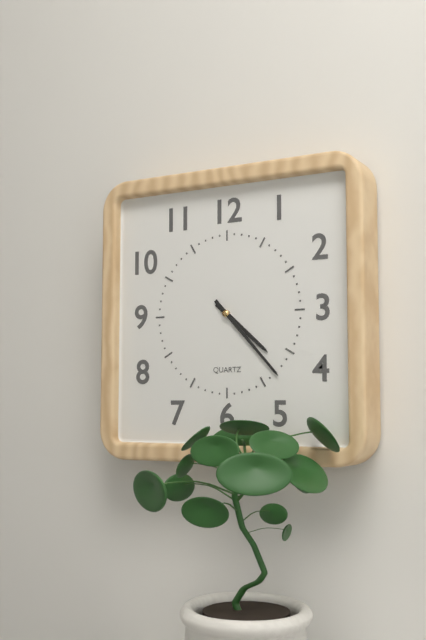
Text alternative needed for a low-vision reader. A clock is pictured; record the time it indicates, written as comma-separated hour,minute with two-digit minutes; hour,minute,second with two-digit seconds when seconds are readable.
4,23
